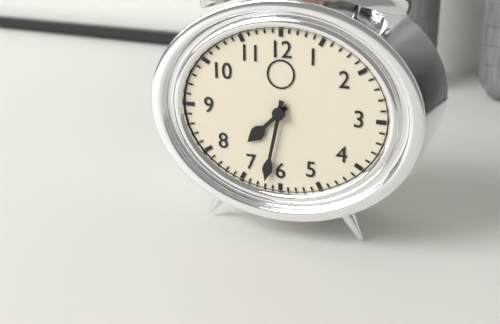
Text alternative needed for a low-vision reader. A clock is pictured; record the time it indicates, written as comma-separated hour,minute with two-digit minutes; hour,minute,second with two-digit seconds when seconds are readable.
7,32
